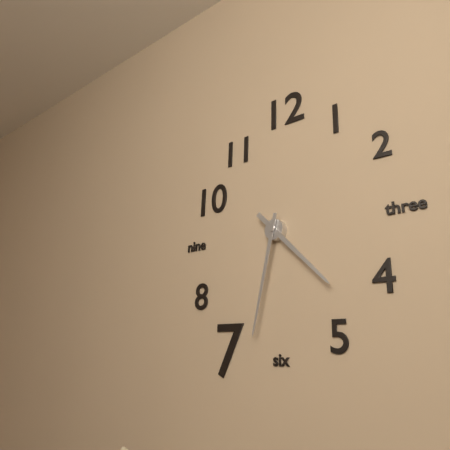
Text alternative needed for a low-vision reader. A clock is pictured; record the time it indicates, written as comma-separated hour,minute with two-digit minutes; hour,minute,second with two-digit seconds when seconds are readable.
4,32
